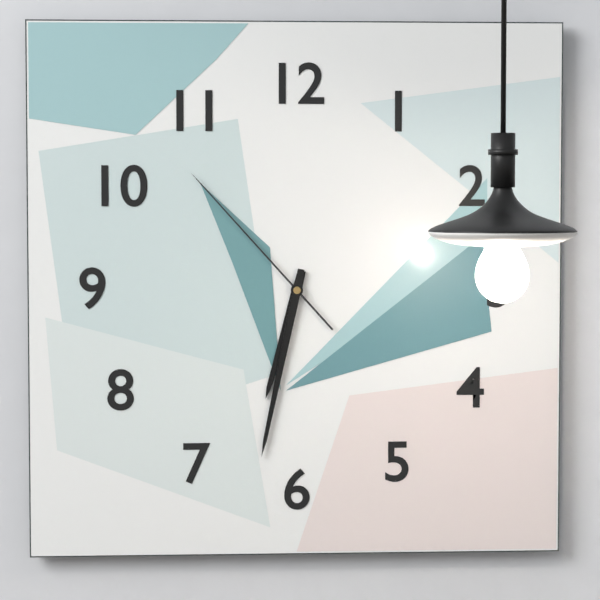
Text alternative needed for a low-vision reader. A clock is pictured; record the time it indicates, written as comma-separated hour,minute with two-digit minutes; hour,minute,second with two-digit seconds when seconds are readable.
6,32,53
